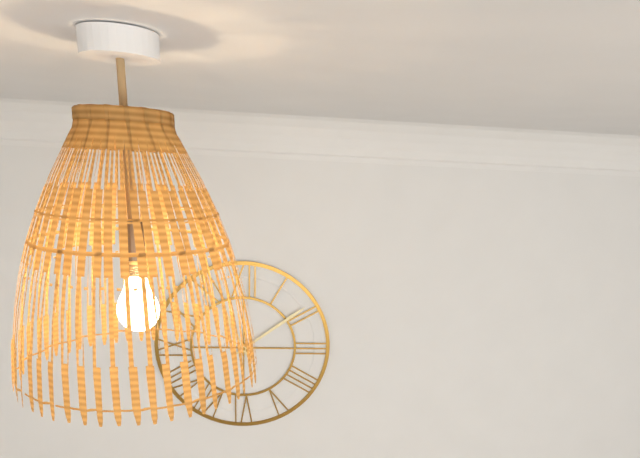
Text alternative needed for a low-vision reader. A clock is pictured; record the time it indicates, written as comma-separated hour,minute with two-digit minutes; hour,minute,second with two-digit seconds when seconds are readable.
11,09
